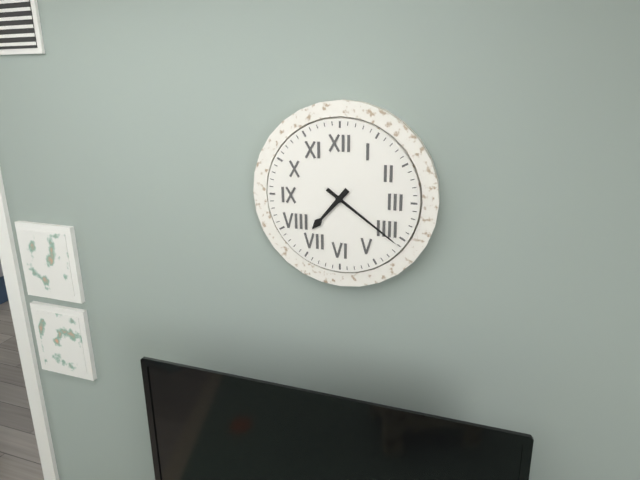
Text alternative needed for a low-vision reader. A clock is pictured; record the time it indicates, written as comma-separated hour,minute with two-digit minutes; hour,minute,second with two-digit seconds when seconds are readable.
7,21
